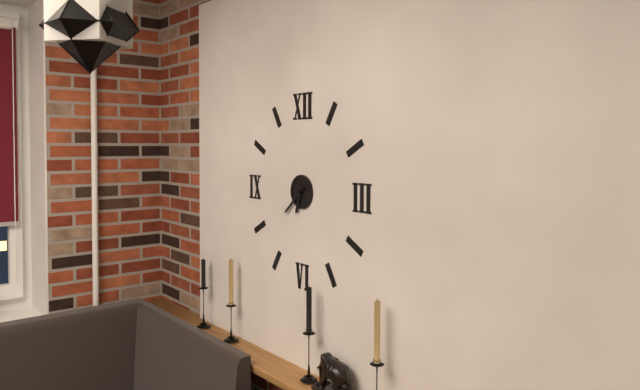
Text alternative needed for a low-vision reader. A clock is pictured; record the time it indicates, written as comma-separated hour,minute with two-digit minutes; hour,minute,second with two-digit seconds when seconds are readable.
6,38
